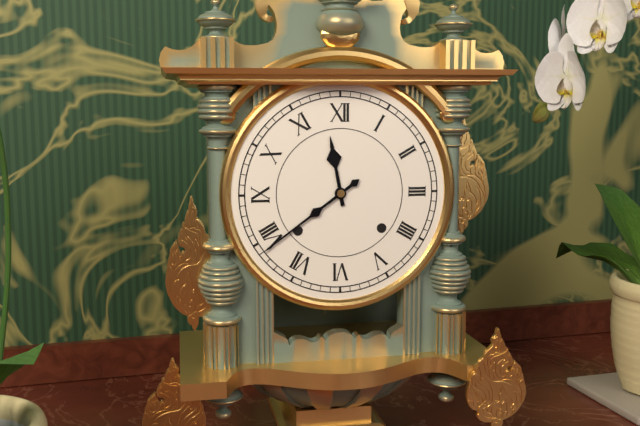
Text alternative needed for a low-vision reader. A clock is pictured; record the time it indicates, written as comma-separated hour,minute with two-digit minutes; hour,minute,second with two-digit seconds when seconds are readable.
11,39
